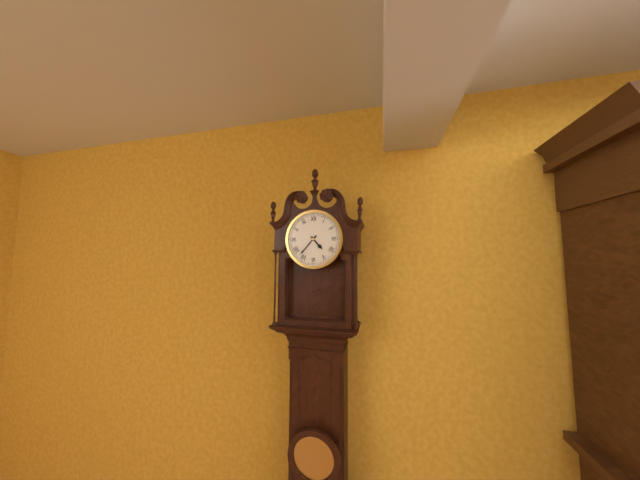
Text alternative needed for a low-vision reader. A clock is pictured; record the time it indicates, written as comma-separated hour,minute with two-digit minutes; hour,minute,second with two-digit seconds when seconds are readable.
4,37
